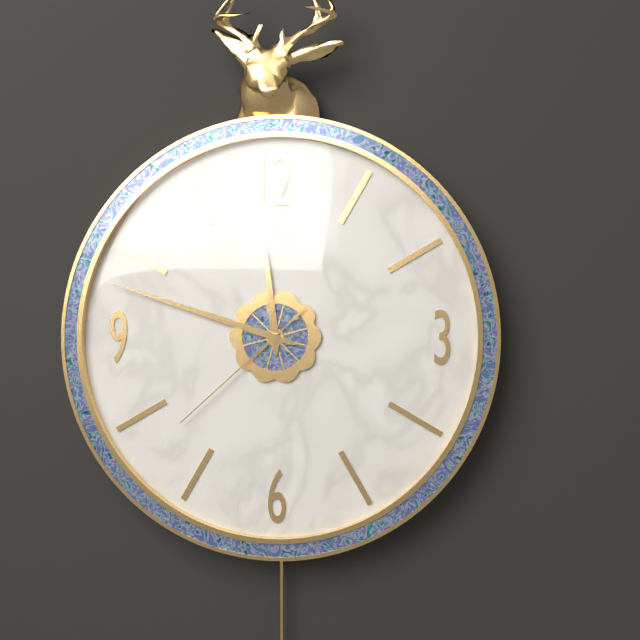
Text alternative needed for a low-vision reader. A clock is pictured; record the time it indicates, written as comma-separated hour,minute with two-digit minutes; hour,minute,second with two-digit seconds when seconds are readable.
11,48,38
